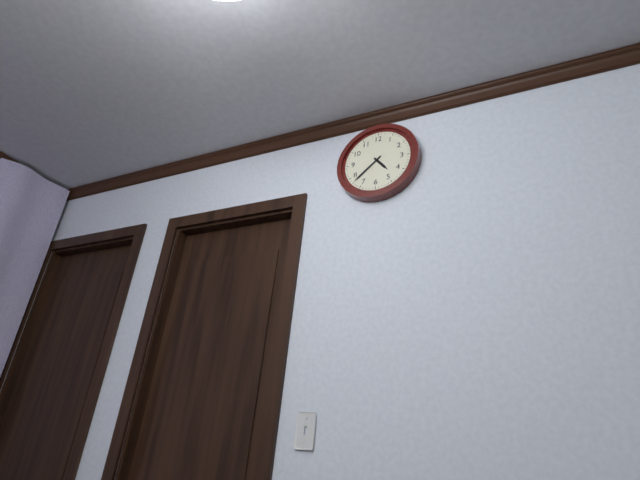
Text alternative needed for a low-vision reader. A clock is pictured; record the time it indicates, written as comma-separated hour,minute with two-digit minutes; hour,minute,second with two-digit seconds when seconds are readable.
4,38
